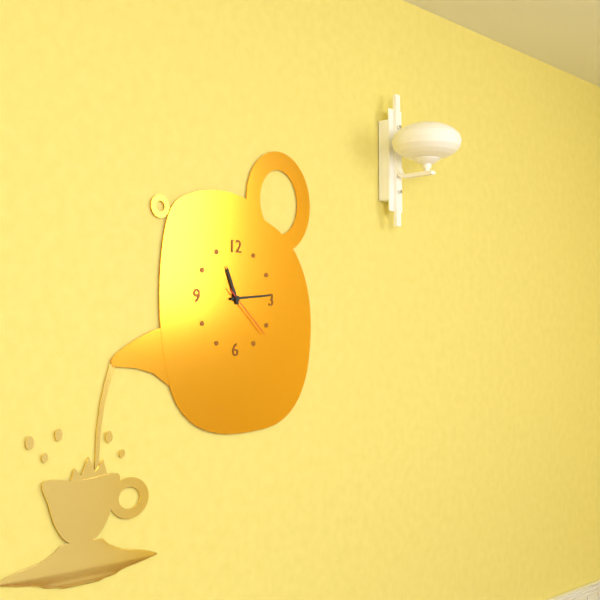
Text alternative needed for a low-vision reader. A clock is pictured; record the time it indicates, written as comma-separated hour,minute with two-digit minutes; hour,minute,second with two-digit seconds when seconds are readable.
11,14,22
